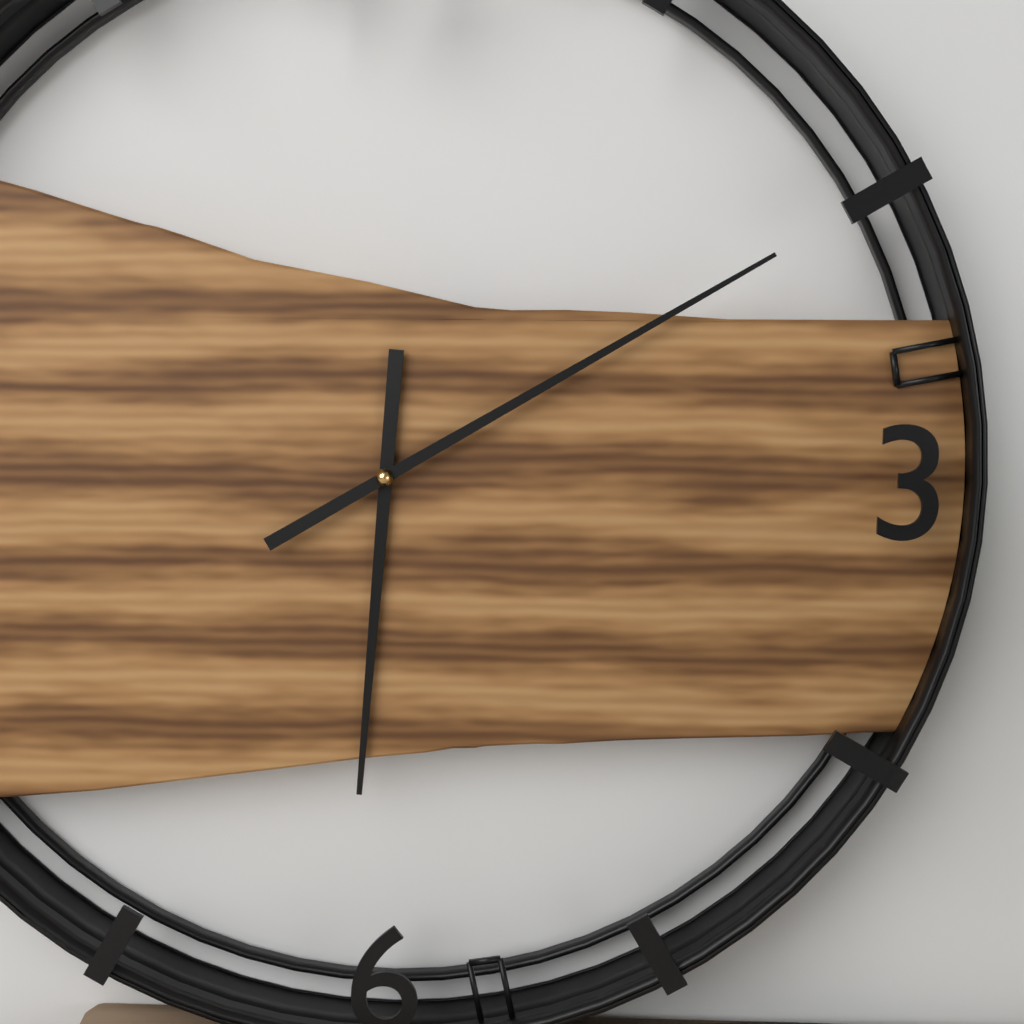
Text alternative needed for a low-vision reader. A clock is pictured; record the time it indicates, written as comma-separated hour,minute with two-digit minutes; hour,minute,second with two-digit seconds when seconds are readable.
6,10
